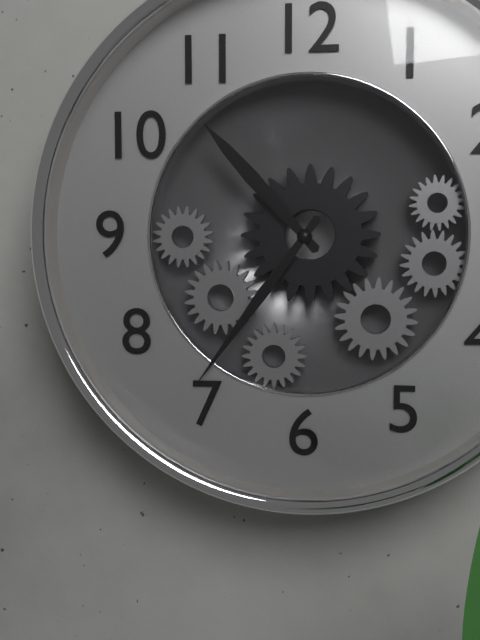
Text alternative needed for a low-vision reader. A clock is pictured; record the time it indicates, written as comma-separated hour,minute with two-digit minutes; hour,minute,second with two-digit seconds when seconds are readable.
10,36
